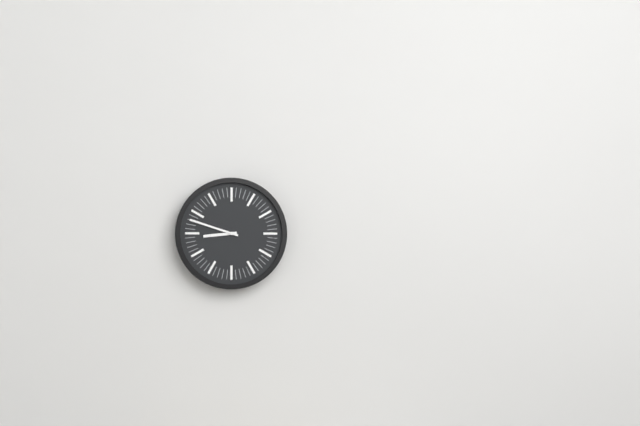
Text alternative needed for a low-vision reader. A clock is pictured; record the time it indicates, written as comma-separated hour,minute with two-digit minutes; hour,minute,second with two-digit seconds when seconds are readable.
8,48
